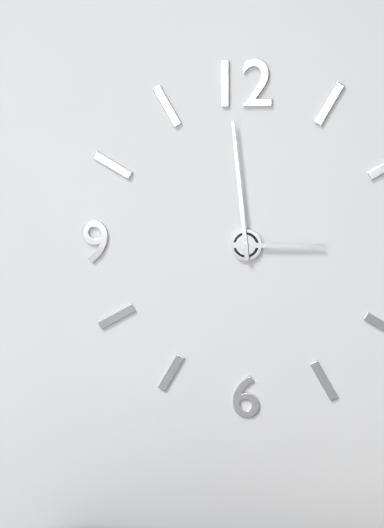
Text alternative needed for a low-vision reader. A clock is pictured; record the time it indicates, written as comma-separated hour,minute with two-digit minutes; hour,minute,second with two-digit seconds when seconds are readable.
2,59
